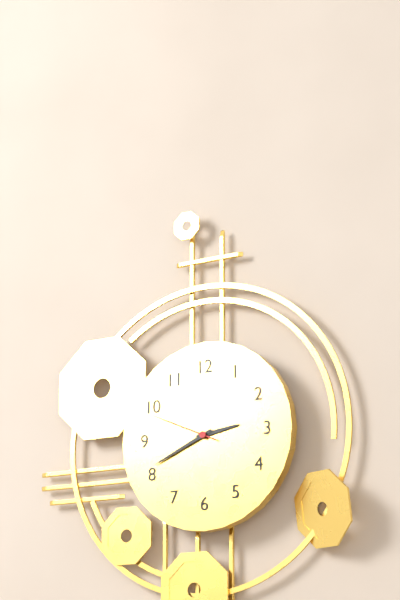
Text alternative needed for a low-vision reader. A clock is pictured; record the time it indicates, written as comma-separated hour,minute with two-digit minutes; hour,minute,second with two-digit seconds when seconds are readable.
2,41,49
